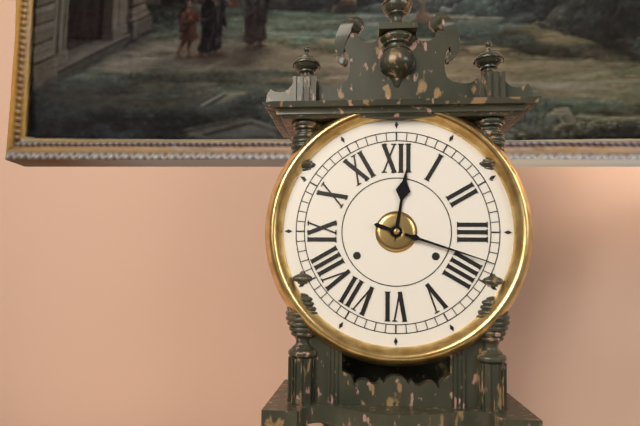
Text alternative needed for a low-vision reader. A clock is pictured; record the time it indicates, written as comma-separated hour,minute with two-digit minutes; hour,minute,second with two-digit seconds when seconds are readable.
12,18
